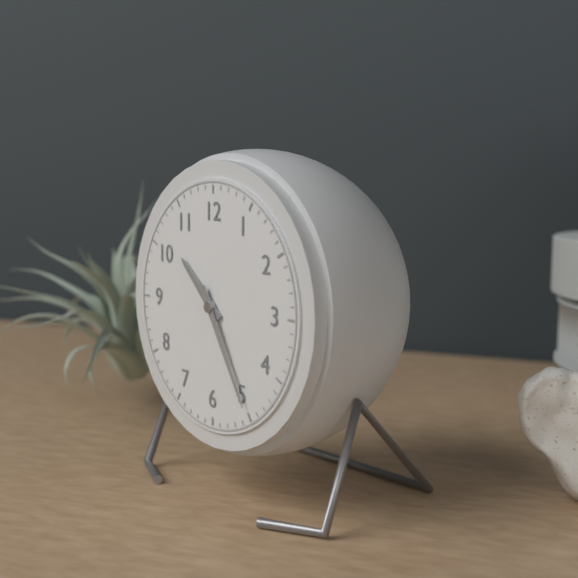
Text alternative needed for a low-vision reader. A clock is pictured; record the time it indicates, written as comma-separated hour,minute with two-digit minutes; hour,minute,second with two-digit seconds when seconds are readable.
10,25
